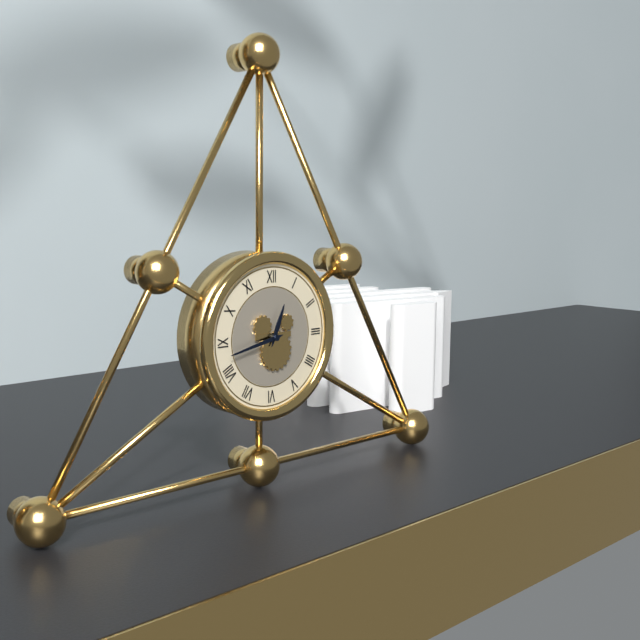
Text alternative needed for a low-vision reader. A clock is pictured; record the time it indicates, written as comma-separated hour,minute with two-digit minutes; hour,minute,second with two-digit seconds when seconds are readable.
12,43
